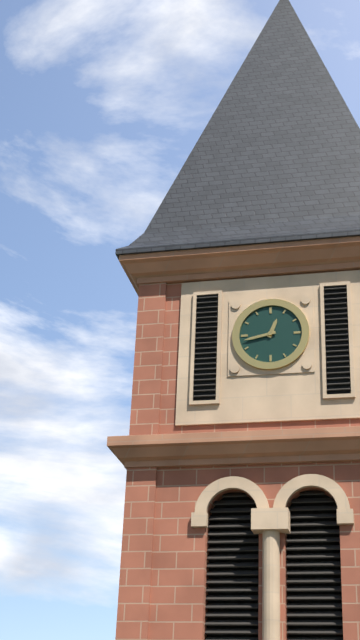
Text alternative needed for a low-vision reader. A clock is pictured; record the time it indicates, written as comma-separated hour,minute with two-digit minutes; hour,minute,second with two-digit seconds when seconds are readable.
12,43
